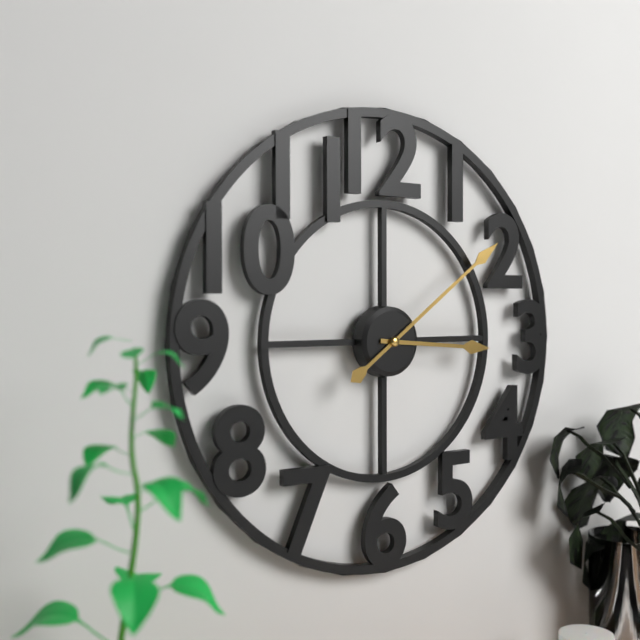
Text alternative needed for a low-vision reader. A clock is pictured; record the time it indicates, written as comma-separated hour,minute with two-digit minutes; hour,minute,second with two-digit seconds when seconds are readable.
3,09
